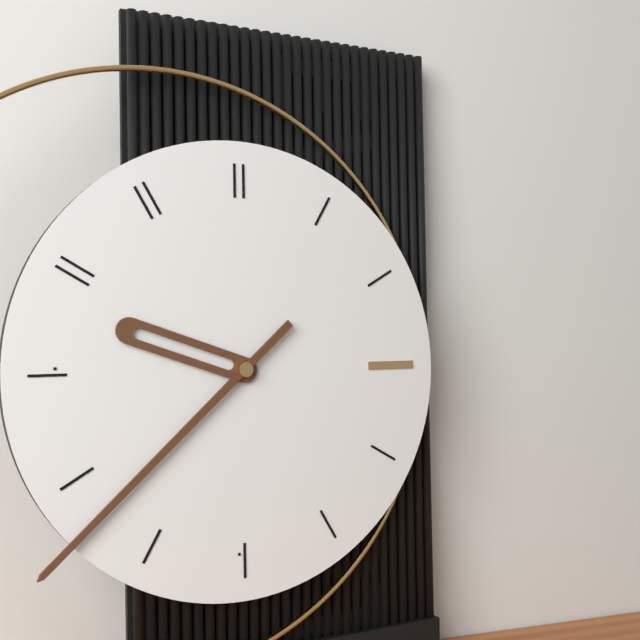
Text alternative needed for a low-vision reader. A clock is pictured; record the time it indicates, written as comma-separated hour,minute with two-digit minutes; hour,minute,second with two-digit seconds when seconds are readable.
9,38
